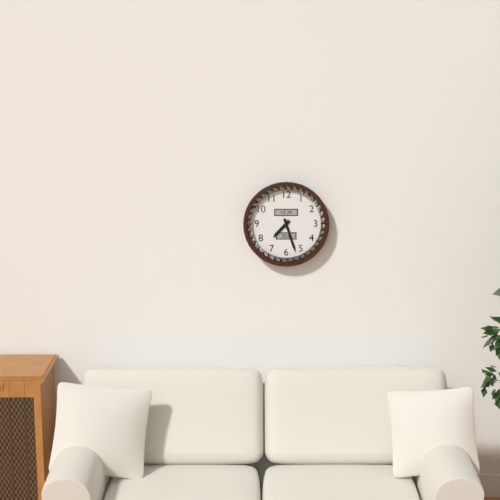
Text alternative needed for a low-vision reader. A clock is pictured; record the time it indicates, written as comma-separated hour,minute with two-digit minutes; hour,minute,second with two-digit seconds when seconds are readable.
7,27
